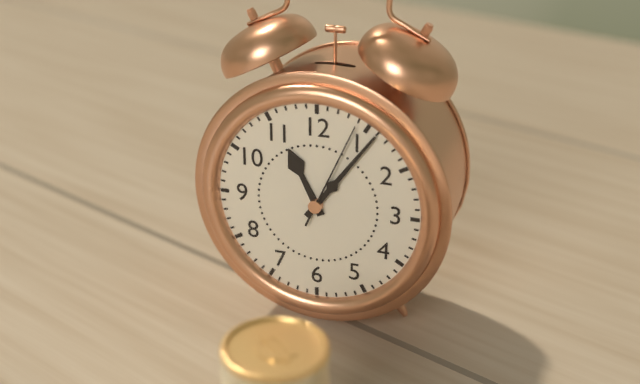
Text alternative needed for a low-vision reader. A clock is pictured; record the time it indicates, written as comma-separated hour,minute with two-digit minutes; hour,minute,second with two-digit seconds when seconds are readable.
11,06,04
